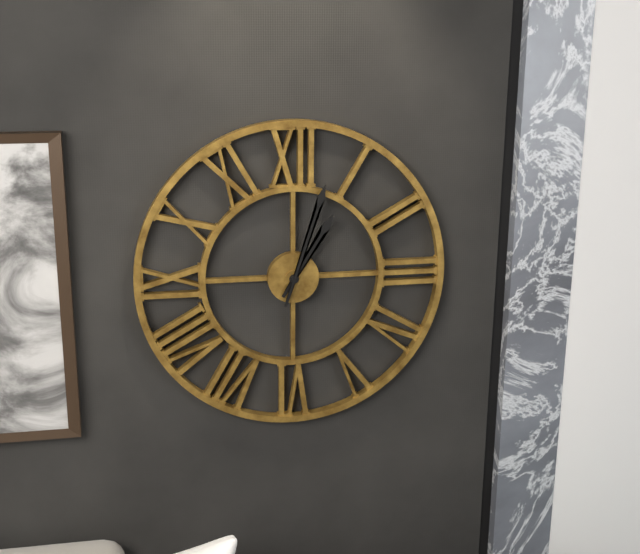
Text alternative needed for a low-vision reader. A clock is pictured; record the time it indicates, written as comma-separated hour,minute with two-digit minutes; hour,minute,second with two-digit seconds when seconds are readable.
1,03
